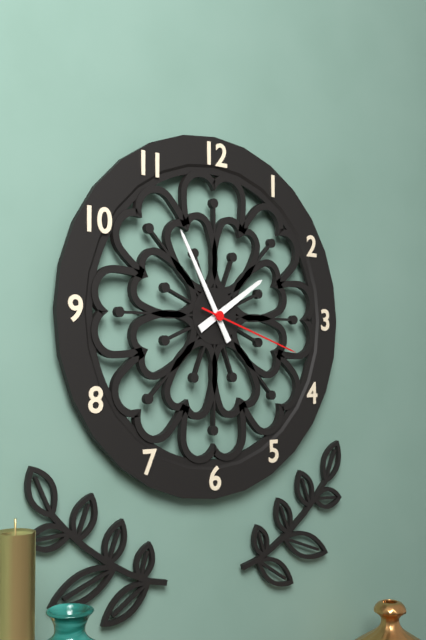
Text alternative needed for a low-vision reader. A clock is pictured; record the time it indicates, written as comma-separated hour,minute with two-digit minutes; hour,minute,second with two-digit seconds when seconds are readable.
1,55,18
